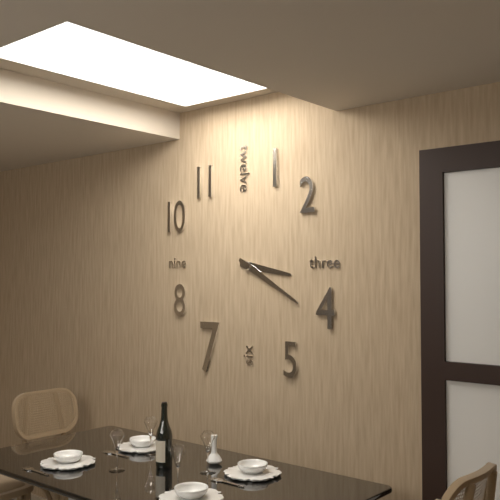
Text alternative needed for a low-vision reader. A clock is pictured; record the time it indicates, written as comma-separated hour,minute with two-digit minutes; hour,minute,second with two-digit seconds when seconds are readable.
3,20
